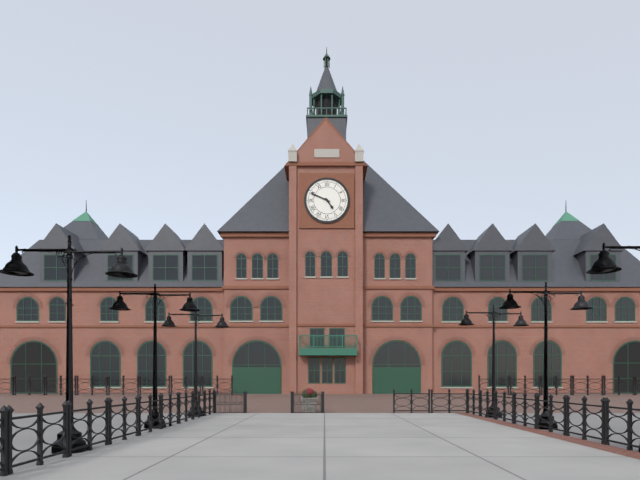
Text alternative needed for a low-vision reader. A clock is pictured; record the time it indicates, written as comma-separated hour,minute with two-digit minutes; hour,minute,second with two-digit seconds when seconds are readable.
4,49
